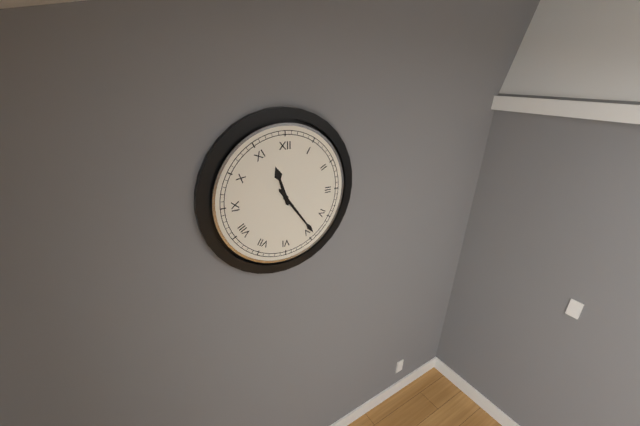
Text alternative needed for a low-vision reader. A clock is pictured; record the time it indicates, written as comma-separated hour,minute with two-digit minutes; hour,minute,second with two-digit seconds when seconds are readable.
11,24
